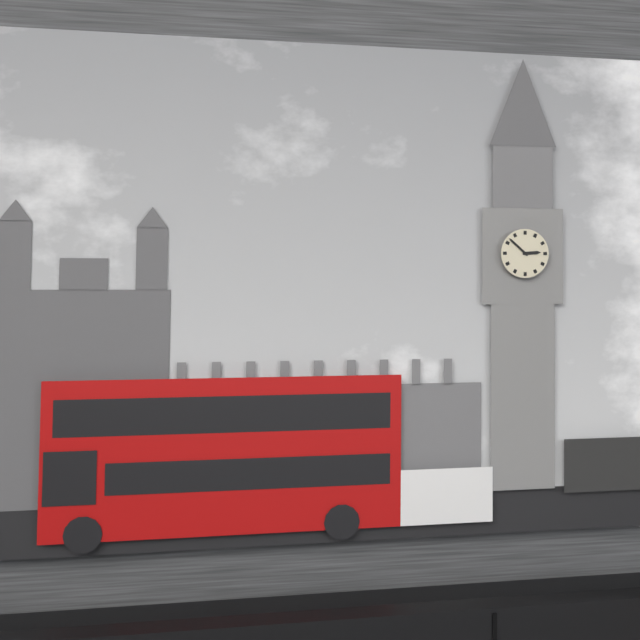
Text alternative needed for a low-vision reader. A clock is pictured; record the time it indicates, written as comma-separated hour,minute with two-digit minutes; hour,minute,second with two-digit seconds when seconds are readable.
2,52
